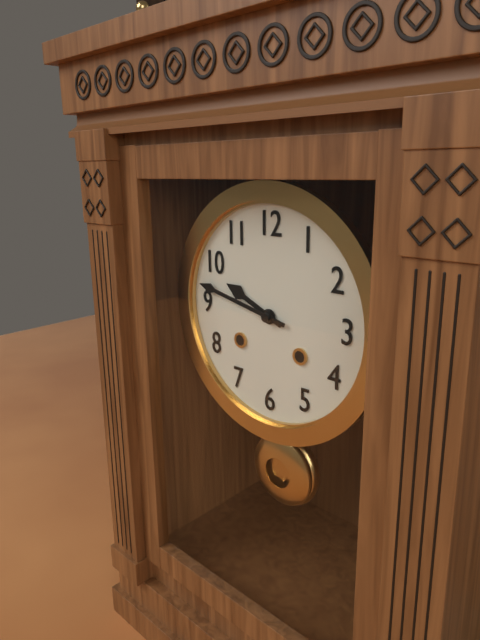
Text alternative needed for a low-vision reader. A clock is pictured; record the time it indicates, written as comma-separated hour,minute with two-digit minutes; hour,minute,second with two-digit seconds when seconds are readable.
9,47
